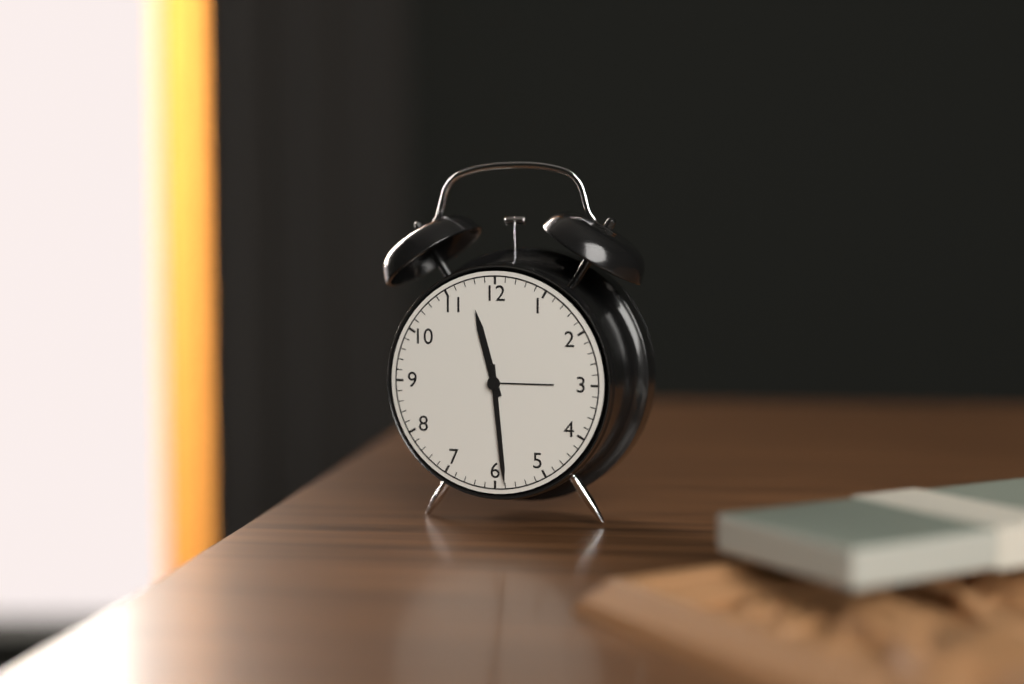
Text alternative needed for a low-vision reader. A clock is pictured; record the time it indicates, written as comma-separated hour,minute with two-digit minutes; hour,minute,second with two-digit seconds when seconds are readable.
11,29
